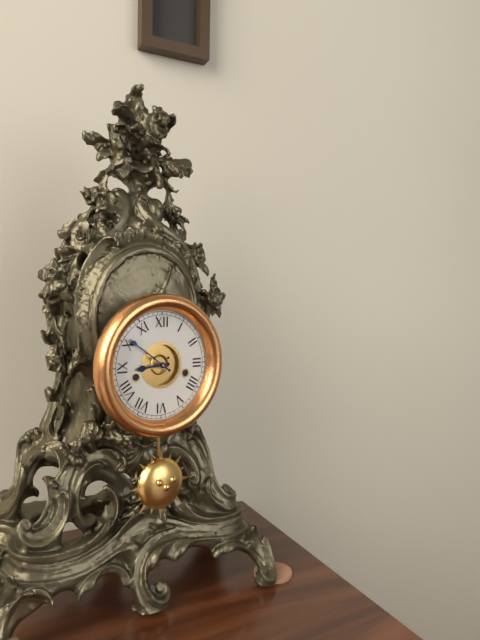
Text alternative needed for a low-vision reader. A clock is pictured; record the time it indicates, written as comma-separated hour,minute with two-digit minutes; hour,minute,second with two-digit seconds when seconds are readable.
8,51
